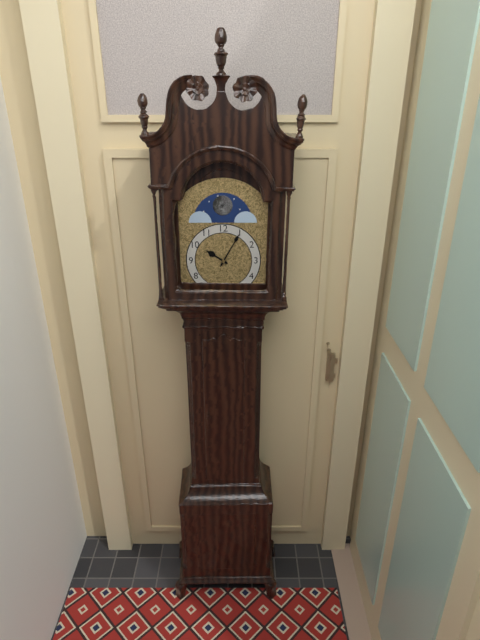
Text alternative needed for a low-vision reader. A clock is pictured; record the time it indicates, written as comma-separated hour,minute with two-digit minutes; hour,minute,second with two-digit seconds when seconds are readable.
10,05
